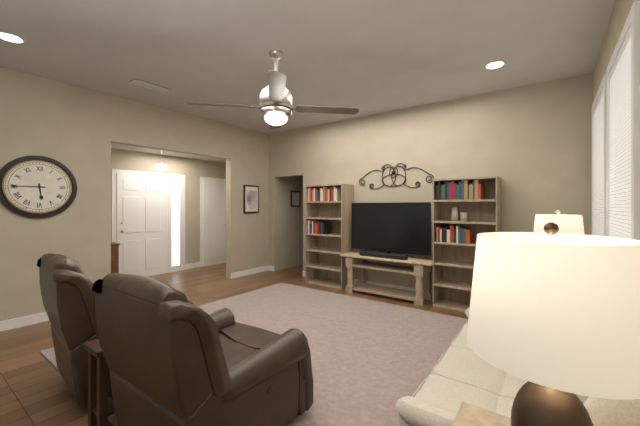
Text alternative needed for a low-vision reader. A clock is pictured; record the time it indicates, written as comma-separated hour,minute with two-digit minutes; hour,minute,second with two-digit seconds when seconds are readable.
5,45
